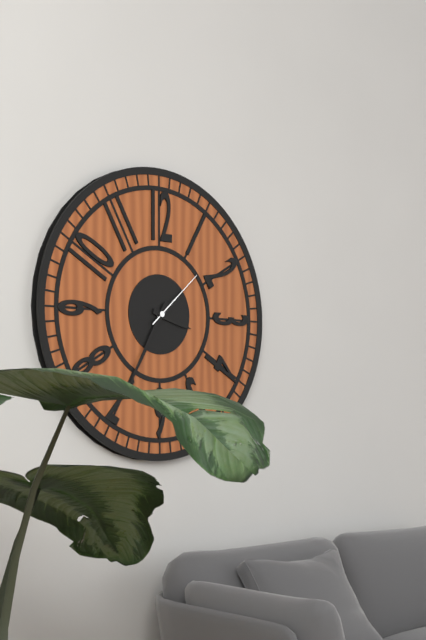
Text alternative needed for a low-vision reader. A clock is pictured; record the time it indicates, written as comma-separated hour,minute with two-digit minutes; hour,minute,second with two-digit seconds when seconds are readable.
3,35,08
